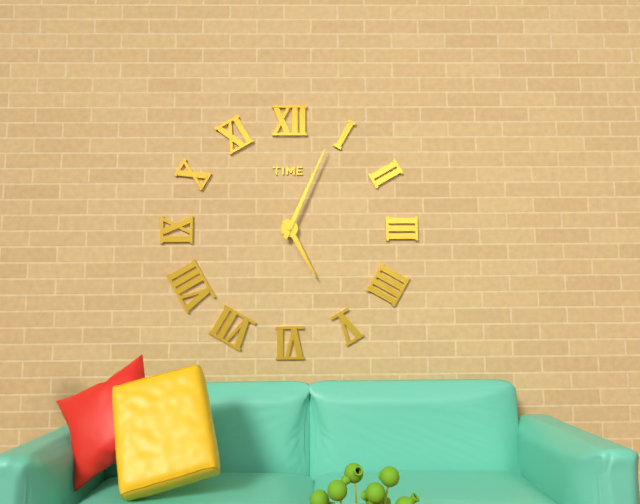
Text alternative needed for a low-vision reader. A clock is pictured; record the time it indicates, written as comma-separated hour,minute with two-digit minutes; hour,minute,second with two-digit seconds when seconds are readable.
5,04
